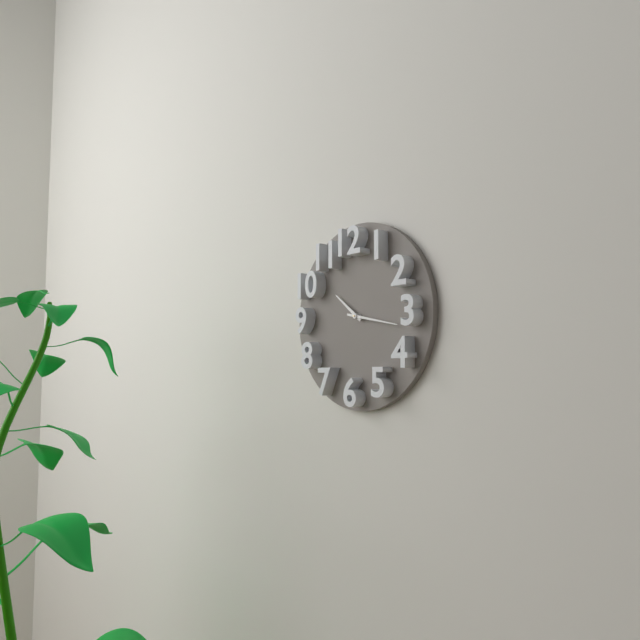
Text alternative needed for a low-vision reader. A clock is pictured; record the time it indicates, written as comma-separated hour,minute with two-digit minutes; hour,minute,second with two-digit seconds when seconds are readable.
10,17
